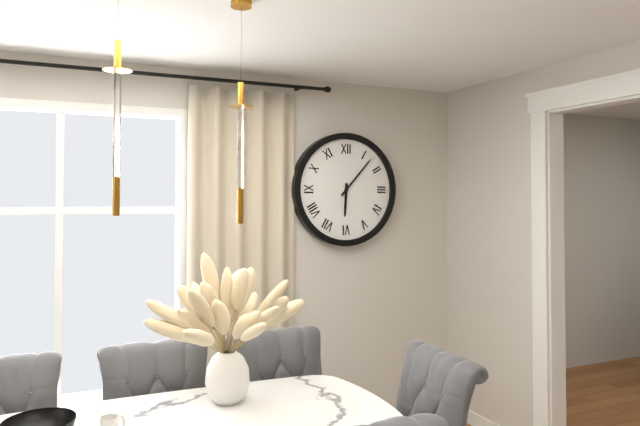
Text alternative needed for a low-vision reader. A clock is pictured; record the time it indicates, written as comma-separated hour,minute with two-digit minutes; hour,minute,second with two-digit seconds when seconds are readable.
6,07
